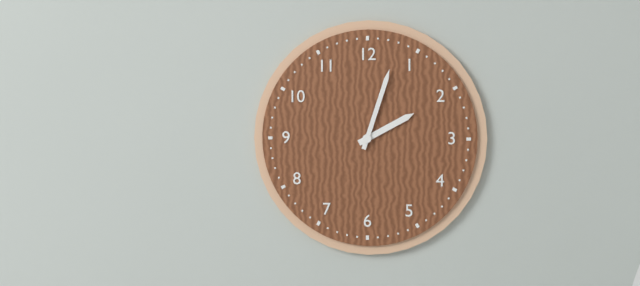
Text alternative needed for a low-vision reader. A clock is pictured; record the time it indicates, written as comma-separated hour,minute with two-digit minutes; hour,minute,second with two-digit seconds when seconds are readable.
2,03
